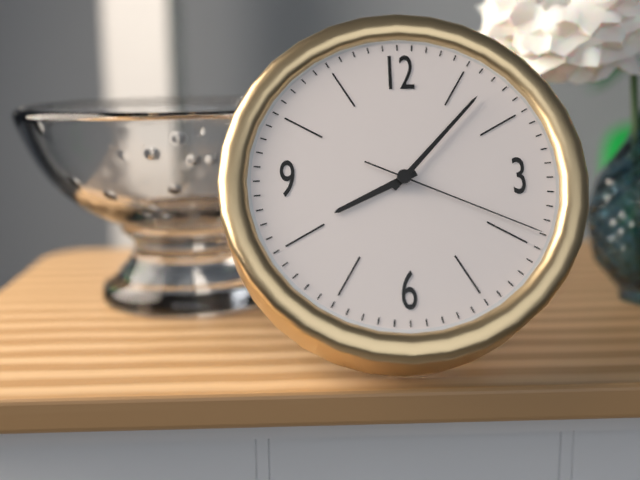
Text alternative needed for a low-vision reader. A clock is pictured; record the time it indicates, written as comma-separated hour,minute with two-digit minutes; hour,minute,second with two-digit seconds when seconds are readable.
8,07,19
